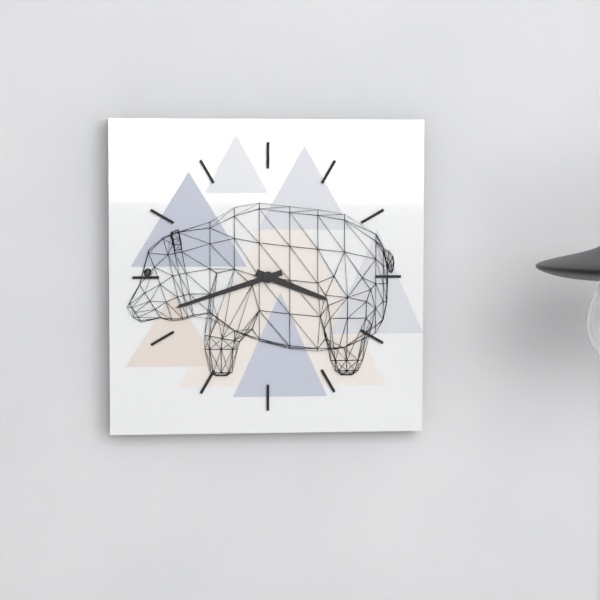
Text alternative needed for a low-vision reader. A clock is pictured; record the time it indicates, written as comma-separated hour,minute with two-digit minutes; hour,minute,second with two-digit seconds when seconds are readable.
3,42
